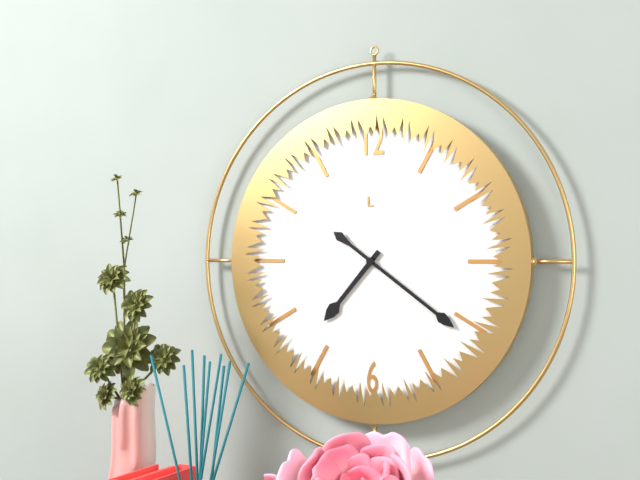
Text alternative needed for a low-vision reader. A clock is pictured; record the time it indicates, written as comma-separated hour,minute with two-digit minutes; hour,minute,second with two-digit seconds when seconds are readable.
7,21
